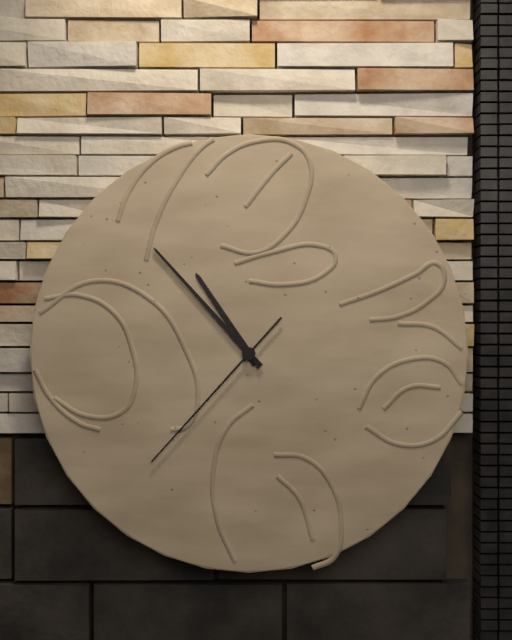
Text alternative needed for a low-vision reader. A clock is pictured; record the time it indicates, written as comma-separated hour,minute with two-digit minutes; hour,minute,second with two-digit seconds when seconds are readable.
10,53,37
